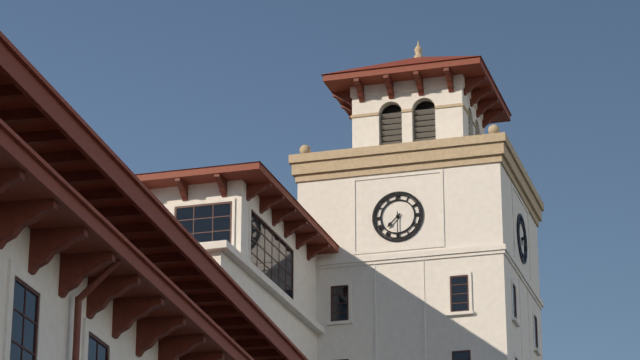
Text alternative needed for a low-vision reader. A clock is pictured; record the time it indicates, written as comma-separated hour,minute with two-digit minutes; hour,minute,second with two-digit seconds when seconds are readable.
7,30
